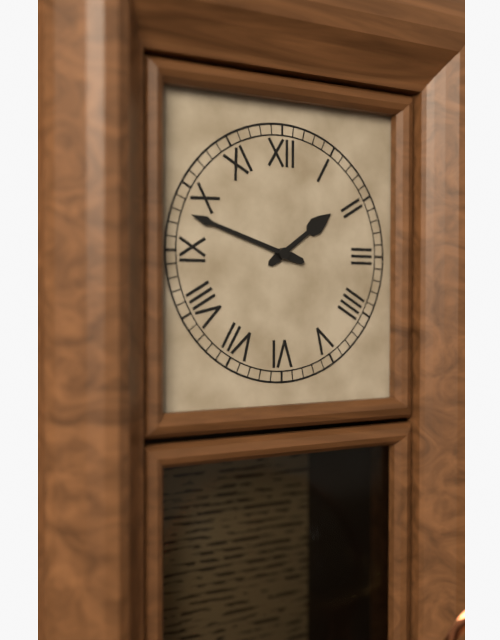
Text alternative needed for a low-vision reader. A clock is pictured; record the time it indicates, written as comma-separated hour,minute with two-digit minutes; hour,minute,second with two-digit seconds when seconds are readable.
1,48
